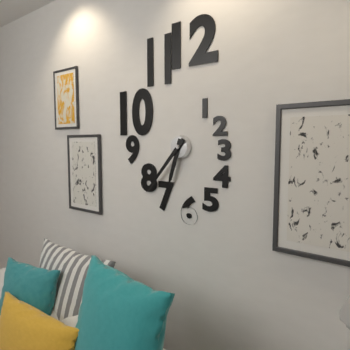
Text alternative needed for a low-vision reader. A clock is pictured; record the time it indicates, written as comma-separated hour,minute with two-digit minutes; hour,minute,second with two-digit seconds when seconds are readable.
6,37
